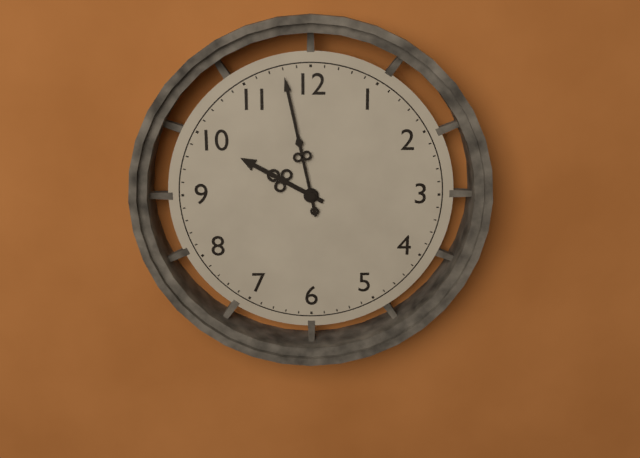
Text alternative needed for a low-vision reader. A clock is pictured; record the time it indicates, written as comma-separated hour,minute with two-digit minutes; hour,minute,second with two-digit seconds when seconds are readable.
9,58
